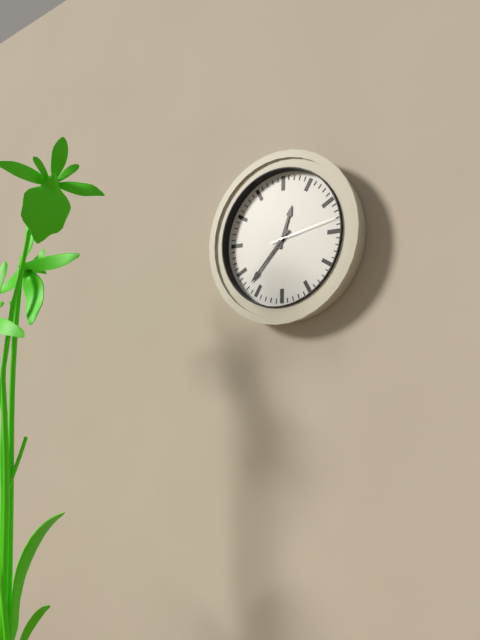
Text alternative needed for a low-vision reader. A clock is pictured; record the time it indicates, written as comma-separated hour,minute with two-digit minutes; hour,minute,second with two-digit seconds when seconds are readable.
12,37,13
